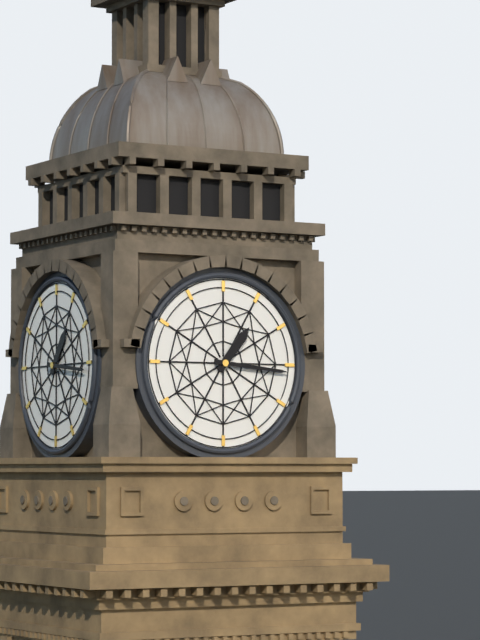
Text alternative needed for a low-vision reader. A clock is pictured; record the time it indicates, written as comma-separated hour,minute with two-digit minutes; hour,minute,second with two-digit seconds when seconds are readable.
1,16
